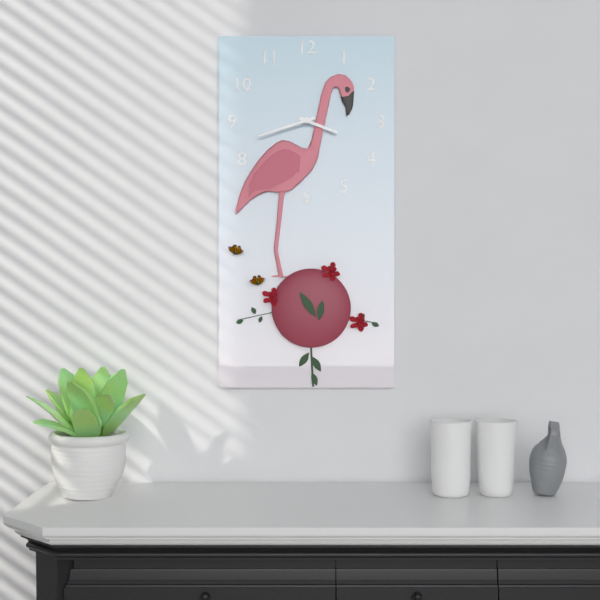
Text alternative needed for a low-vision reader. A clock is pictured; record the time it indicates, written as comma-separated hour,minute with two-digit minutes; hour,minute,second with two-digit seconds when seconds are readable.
3,42
